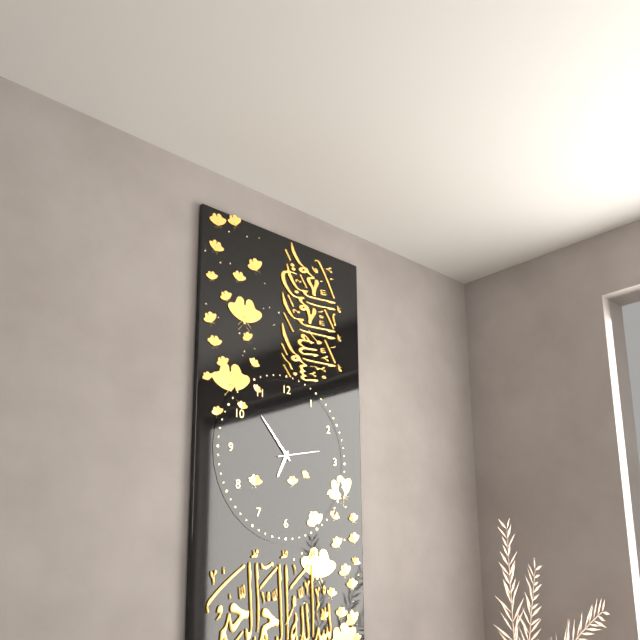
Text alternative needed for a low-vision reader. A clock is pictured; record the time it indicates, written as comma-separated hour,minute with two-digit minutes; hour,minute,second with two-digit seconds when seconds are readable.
6,53
